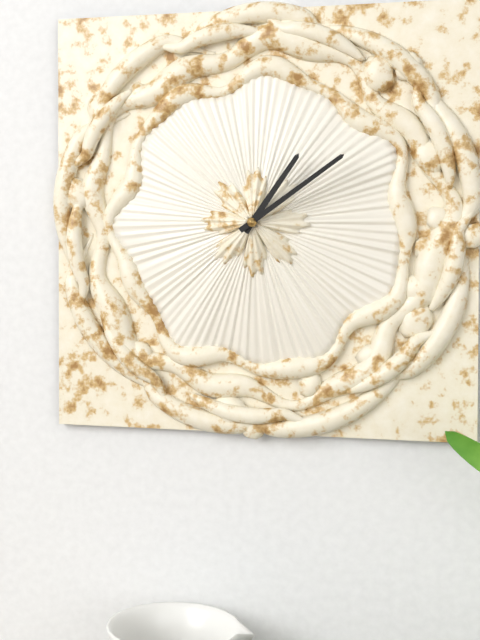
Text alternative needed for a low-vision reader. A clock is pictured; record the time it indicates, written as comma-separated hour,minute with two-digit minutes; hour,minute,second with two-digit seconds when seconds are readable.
1,09
